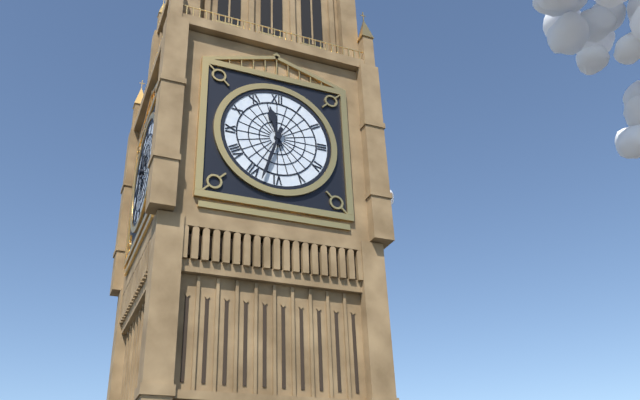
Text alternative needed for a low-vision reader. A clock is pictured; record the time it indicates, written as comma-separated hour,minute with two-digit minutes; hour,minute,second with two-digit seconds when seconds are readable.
11,33
